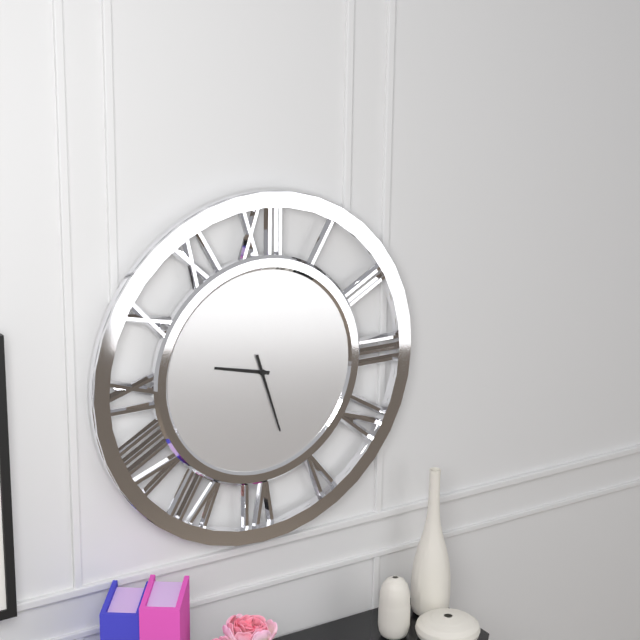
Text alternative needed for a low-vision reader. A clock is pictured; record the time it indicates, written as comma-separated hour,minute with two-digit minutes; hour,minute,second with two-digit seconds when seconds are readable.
9,27
